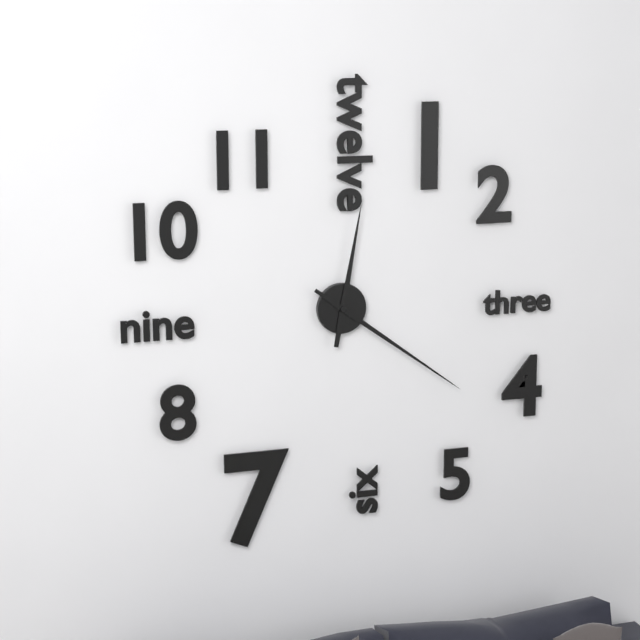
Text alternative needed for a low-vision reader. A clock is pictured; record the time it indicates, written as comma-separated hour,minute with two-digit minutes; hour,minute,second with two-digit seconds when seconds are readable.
12,21
